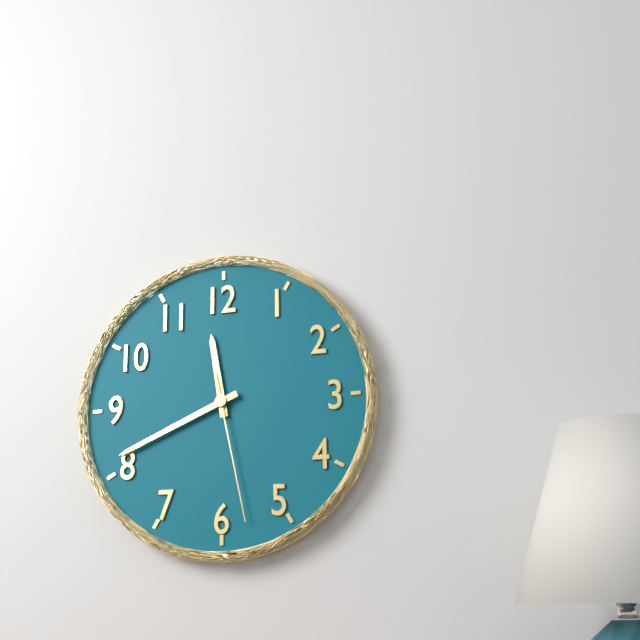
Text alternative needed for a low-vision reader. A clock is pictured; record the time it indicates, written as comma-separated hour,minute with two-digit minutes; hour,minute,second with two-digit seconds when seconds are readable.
11,41,28
